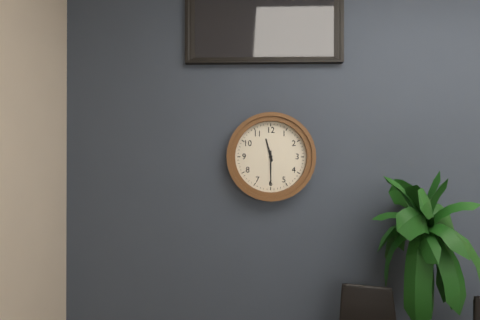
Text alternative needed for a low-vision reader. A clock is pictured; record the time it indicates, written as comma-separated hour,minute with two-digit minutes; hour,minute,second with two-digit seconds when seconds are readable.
11,30
